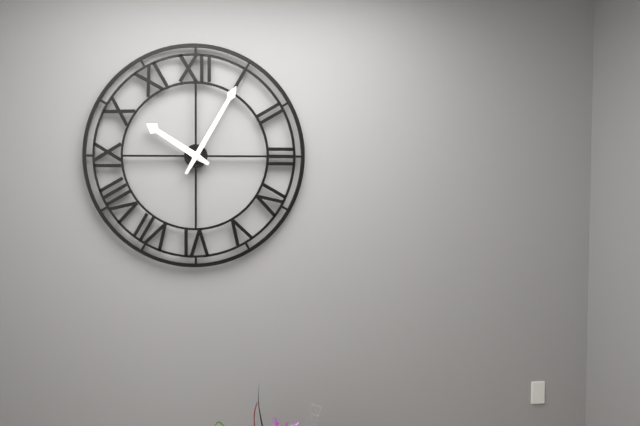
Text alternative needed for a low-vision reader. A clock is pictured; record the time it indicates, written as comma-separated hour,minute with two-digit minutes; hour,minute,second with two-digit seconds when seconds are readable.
10,05
